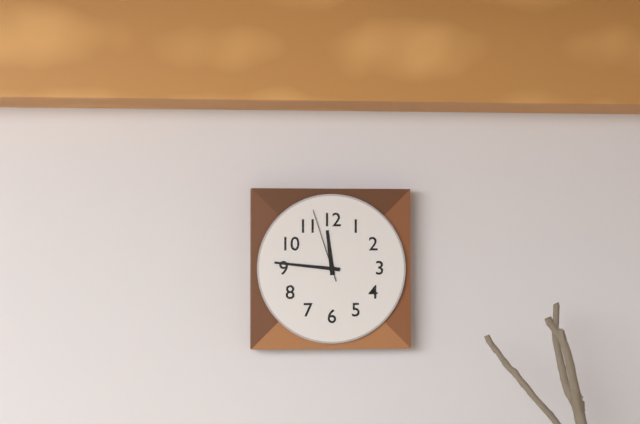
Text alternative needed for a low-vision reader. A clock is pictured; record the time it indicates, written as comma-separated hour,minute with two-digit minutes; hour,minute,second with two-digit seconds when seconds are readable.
11,46,57
